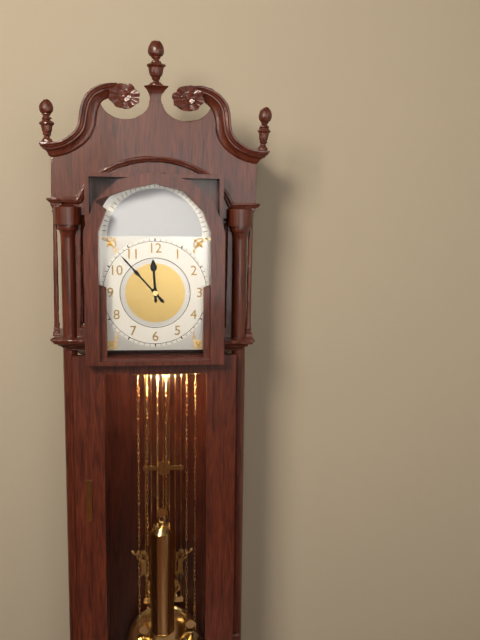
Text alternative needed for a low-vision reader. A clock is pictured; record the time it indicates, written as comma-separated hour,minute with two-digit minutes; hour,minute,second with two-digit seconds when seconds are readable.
11,53
